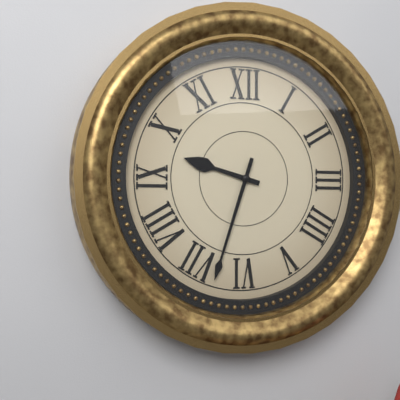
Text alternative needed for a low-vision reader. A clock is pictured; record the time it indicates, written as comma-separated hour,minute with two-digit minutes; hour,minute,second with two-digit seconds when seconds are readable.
9,33
